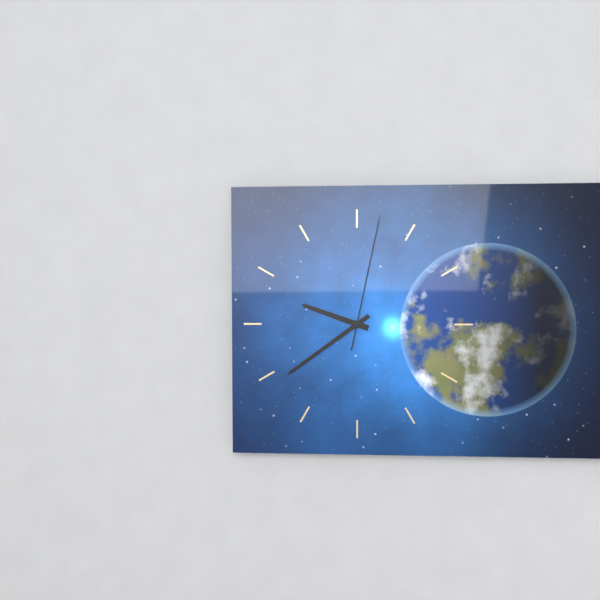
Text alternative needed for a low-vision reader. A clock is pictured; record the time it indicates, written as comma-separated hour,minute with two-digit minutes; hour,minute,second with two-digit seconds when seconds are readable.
9,39,02
